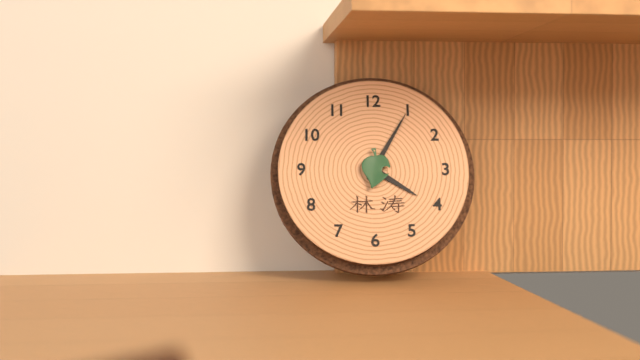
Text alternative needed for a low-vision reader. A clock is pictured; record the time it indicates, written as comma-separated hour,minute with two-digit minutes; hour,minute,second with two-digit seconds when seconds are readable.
4,05
